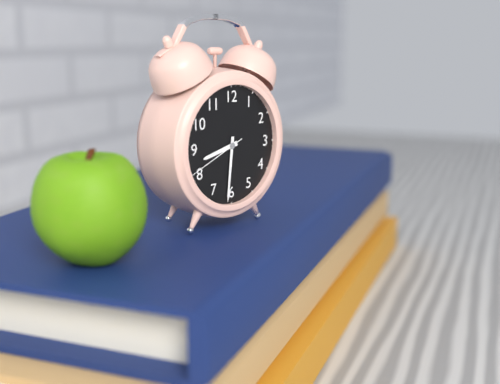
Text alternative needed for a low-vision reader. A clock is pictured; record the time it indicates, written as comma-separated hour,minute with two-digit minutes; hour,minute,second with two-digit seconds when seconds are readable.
8,31,41
